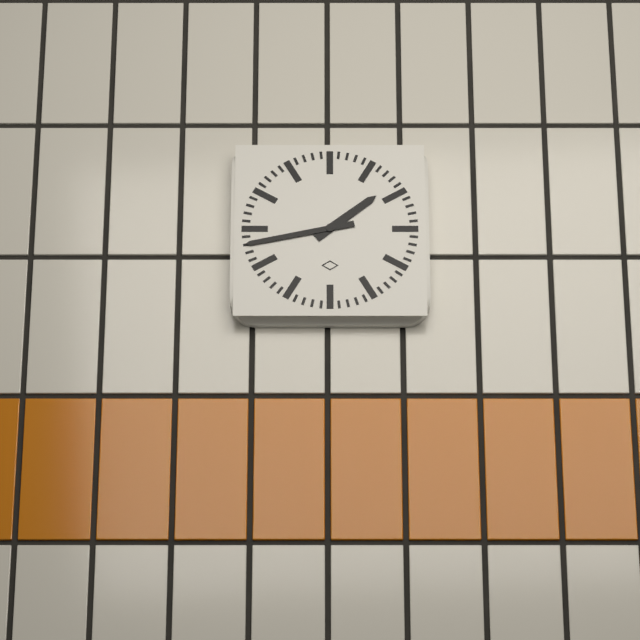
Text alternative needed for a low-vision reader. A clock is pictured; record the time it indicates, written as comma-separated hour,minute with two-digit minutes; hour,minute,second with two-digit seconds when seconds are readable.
1,43
